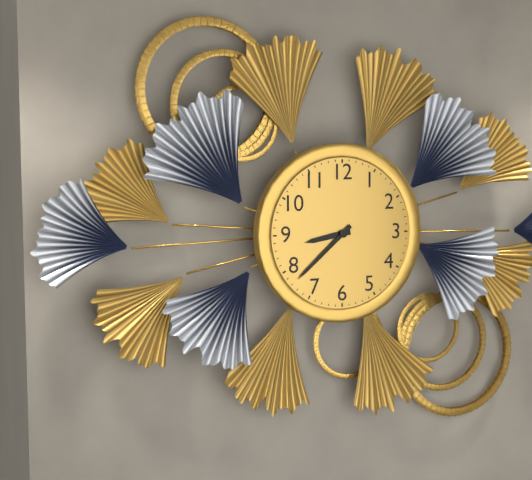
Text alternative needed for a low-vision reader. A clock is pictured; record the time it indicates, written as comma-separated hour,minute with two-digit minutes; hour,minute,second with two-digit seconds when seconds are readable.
8,38
